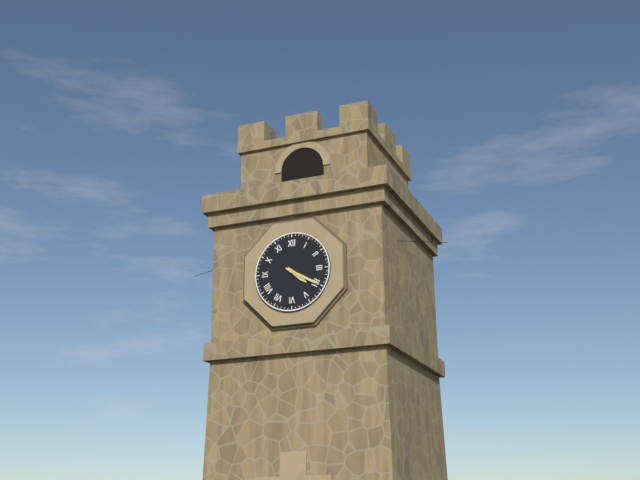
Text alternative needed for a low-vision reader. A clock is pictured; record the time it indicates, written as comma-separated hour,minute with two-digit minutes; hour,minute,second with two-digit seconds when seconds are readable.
4,20
